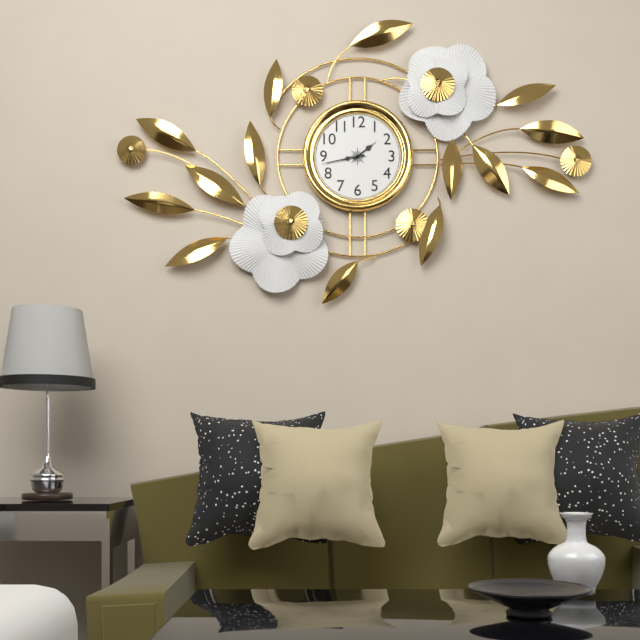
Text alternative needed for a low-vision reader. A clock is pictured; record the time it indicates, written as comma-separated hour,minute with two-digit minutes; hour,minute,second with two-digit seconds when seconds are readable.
1,43
